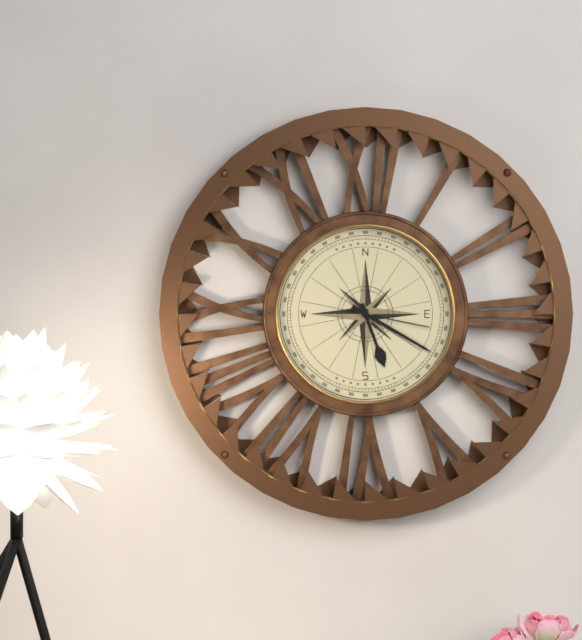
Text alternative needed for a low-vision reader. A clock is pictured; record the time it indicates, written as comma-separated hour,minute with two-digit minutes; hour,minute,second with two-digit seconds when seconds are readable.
5,20,17
